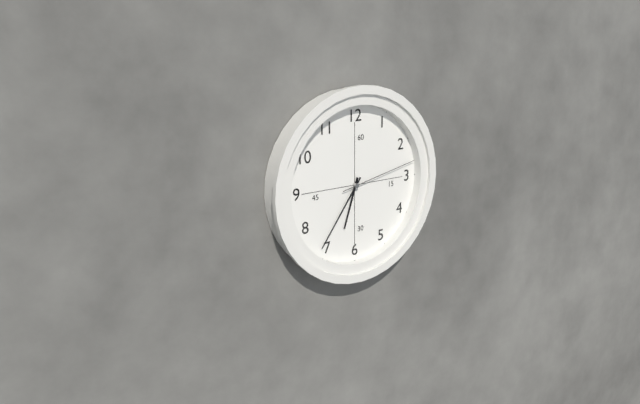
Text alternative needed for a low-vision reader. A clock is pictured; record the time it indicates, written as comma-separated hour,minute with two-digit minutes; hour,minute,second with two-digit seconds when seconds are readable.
6,36,13
